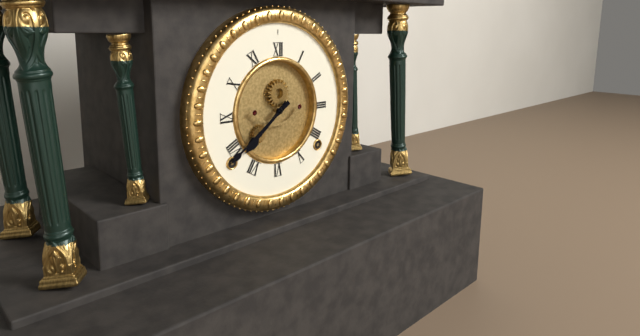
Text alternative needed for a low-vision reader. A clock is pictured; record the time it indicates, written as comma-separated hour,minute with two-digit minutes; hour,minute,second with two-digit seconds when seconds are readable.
7,39
